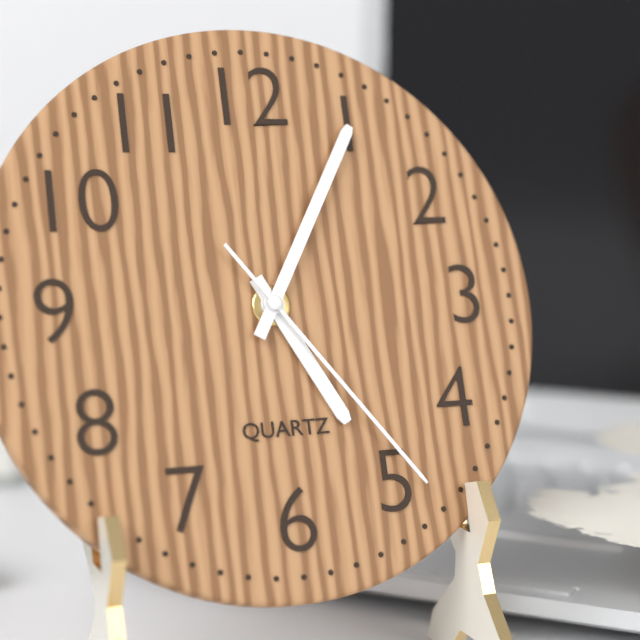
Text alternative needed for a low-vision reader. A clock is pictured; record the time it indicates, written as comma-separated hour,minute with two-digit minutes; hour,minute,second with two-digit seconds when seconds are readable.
5,05,24
